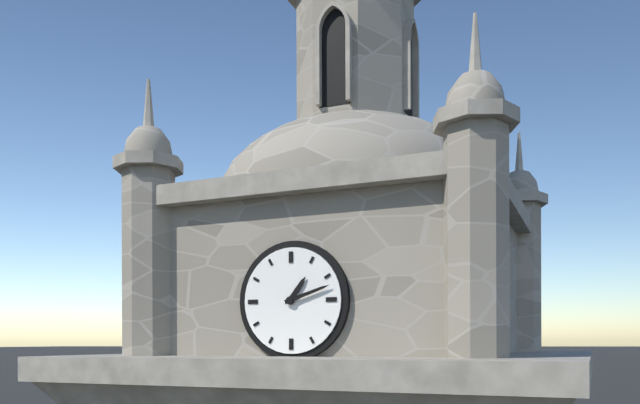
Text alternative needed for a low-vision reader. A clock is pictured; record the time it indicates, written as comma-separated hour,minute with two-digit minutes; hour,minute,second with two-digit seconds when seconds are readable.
1,12
